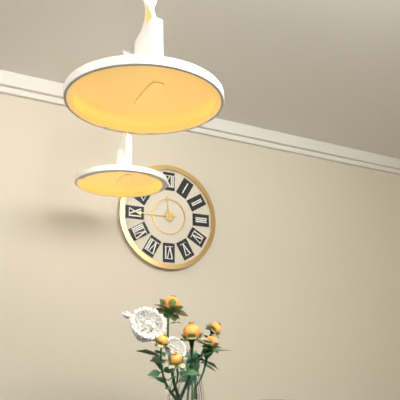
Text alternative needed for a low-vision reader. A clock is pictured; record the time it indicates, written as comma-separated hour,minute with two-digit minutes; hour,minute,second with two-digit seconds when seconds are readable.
11,45
